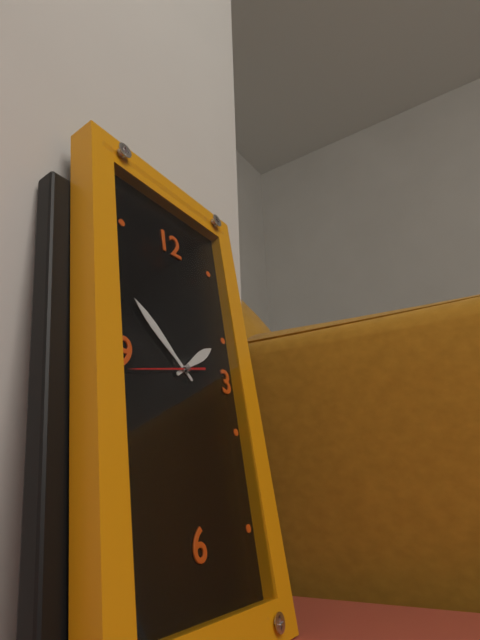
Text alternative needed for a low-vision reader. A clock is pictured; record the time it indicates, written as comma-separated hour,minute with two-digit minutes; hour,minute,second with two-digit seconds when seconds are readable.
1,52,43
